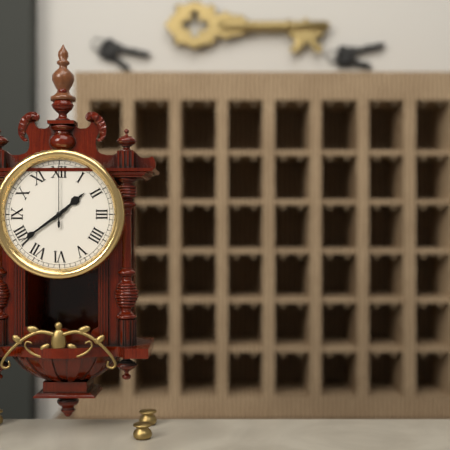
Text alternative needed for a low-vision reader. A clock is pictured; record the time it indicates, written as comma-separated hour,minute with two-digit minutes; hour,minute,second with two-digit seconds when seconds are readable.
1,39,00
